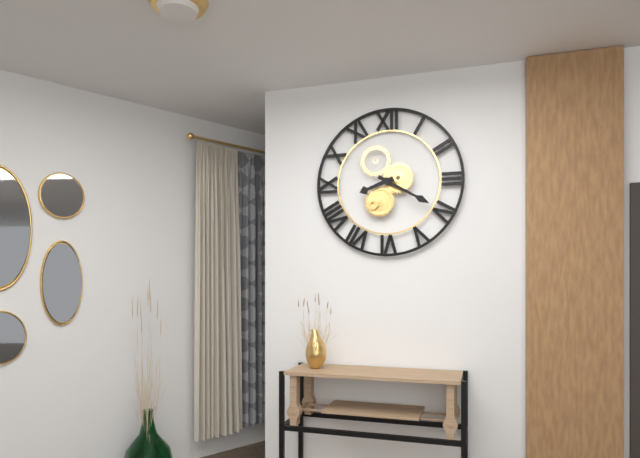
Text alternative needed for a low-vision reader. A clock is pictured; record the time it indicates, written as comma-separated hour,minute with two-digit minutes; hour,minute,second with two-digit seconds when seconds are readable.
8,20
